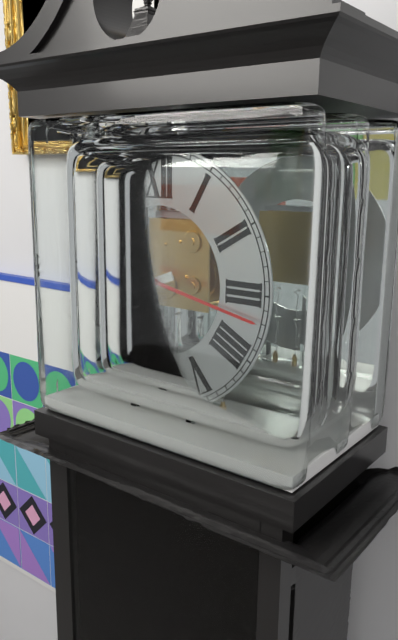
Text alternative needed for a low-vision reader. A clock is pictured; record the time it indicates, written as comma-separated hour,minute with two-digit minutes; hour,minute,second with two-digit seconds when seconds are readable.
8,17
